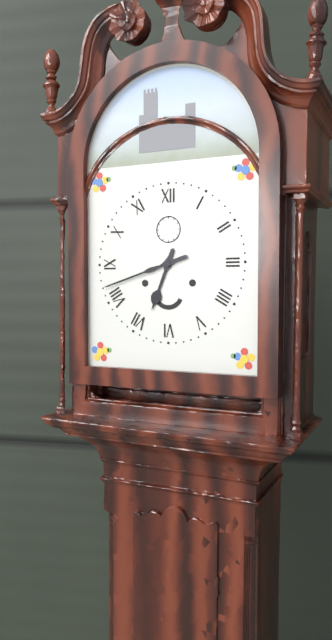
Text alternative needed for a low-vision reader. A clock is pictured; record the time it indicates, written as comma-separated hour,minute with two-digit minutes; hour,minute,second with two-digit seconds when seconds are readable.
6,42
